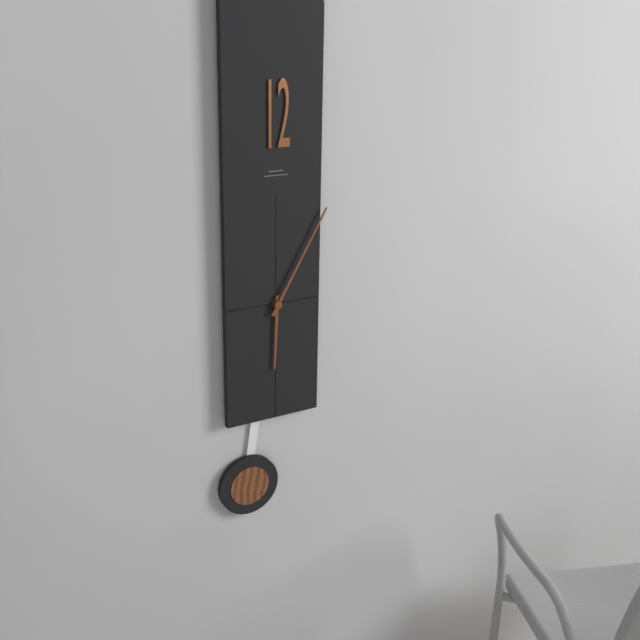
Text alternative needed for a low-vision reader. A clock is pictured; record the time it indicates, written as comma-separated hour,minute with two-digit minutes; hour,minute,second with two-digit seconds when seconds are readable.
6,05
